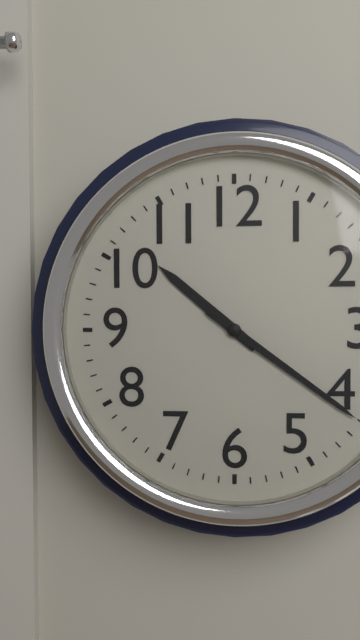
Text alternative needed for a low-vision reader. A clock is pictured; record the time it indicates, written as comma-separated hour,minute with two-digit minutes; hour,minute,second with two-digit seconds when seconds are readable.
10,21
